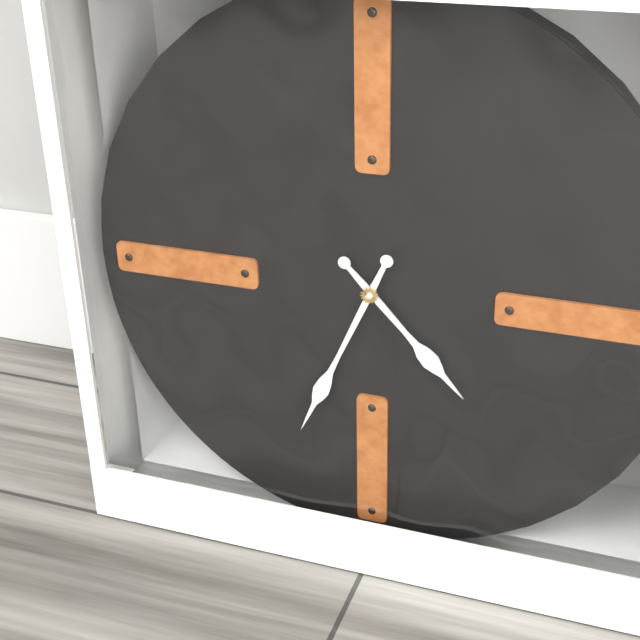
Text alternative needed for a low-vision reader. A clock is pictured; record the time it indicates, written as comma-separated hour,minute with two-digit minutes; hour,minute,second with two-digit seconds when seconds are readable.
4,34
